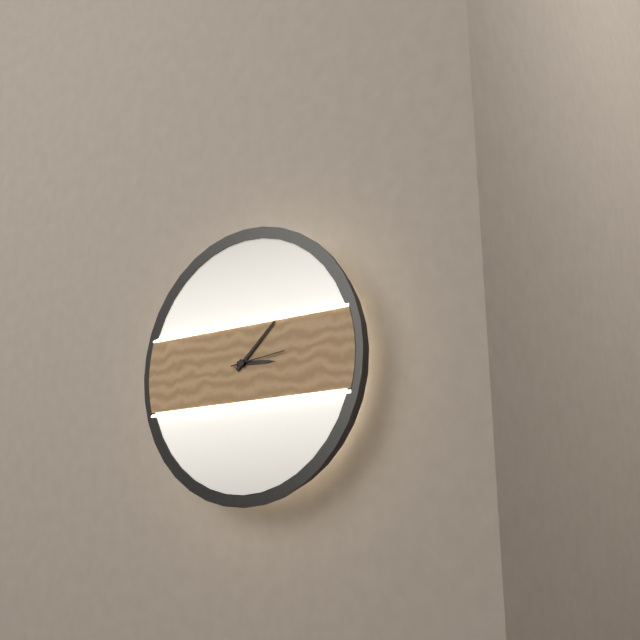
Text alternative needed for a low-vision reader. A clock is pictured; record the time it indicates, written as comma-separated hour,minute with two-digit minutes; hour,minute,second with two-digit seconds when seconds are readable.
3,08,14
